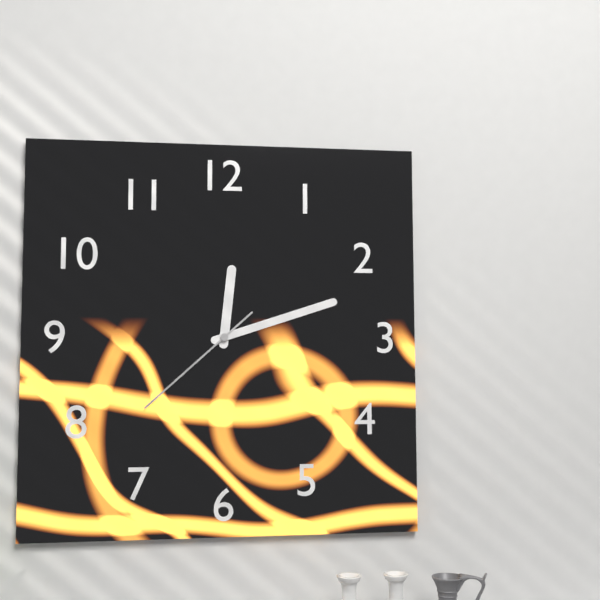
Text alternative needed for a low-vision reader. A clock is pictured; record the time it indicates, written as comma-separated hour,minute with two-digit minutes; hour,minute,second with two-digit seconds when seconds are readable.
12,12,38
